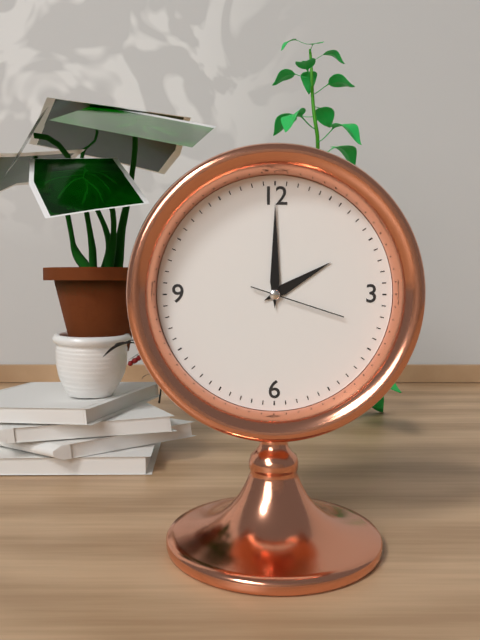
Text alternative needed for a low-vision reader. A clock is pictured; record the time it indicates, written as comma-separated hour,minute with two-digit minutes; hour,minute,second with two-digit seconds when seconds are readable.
2,00,18
